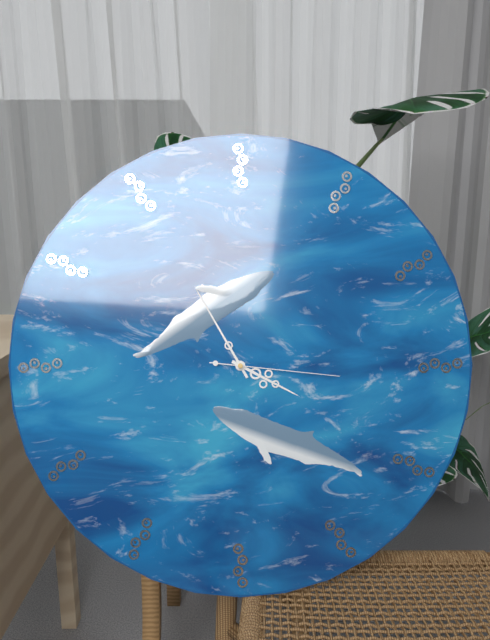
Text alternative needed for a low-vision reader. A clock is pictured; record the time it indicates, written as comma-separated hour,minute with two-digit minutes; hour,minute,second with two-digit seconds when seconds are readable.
3,55,16
